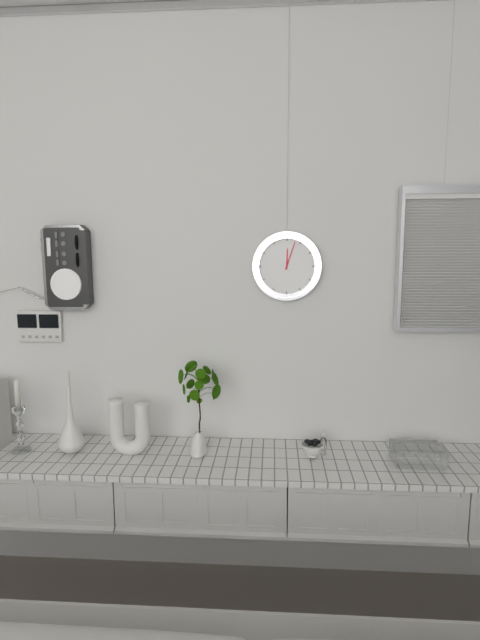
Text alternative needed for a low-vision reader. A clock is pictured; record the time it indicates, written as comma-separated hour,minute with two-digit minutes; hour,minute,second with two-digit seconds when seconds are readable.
12,03
